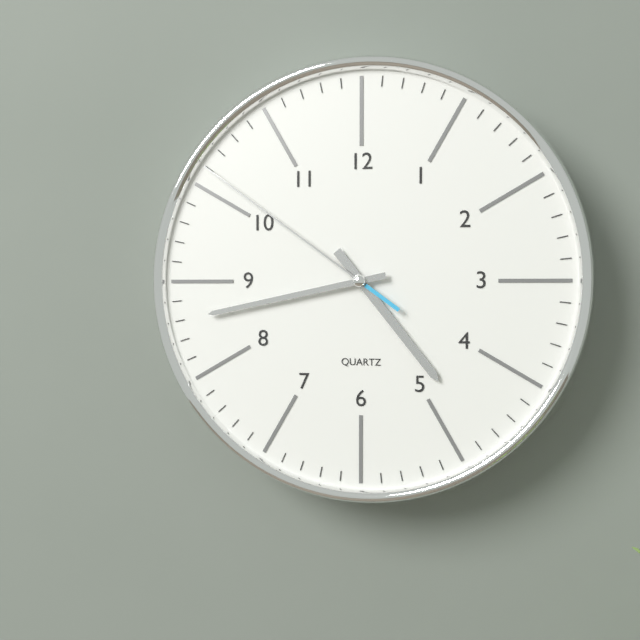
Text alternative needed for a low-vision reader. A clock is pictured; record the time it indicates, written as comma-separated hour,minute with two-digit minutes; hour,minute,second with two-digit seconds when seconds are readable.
4,43,51
